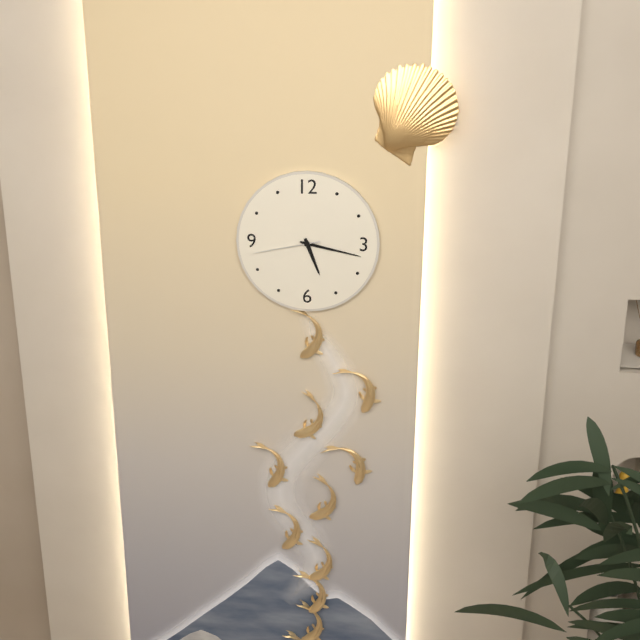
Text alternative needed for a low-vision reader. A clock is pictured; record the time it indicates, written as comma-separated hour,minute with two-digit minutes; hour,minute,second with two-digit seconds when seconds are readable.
5,17,43
